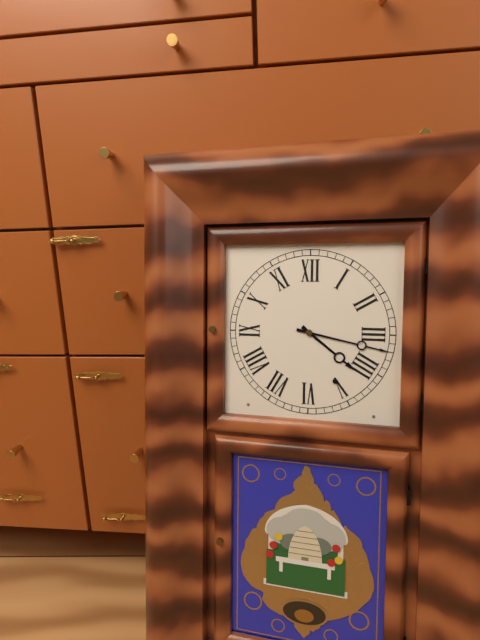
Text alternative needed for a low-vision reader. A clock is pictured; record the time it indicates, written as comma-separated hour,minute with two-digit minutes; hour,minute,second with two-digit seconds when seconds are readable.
4,17
